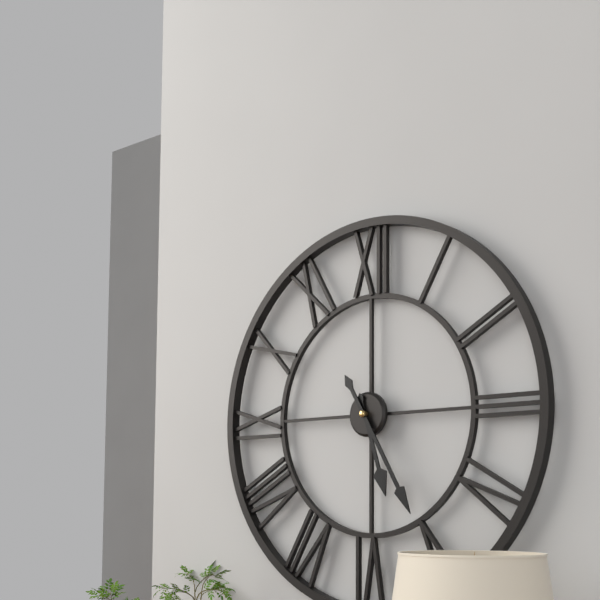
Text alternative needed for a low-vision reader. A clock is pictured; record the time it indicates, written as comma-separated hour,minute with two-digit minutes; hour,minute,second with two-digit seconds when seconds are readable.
5,25
